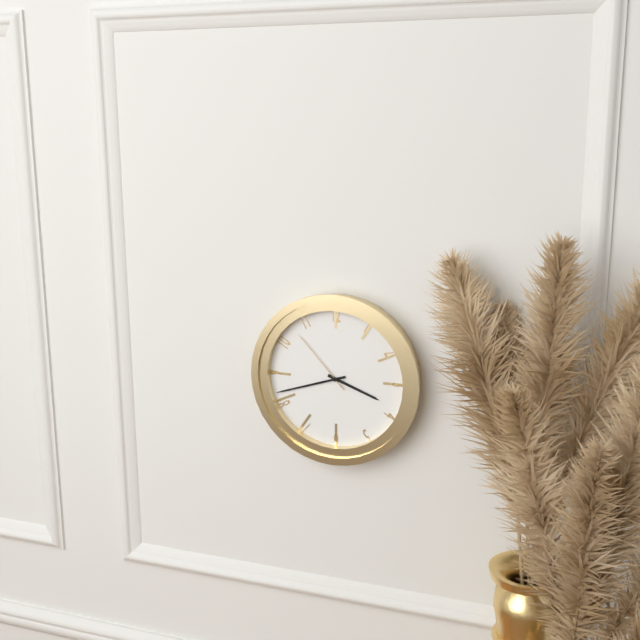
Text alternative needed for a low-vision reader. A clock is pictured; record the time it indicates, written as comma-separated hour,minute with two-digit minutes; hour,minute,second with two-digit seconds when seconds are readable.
3,42,53
